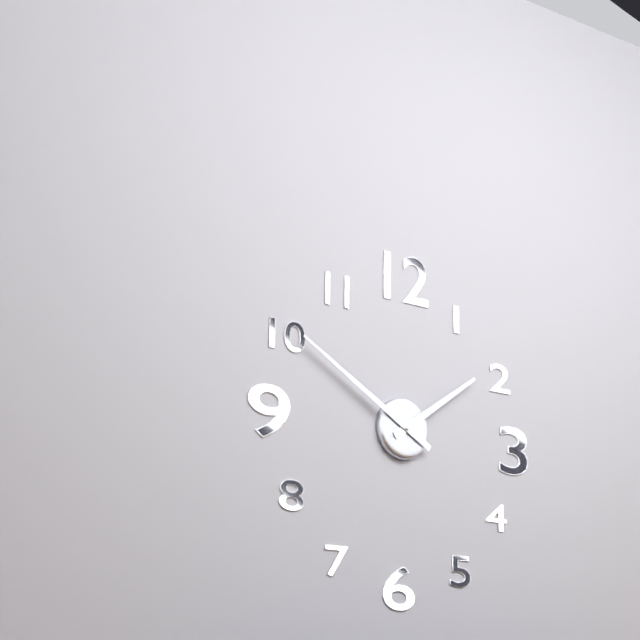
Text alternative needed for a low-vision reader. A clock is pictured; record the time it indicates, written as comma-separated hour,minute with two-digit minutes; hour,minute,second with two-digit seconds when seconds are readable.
1,50
